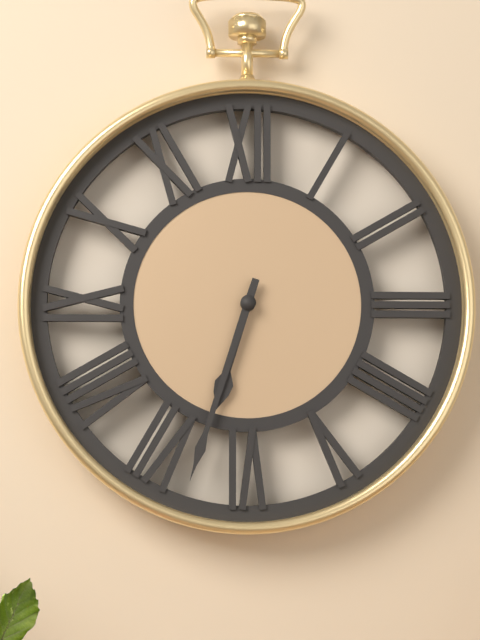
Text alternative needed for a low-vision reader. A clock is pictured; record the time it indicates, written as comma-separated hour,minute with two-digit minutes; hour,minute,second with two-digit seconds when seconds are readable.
6,33
